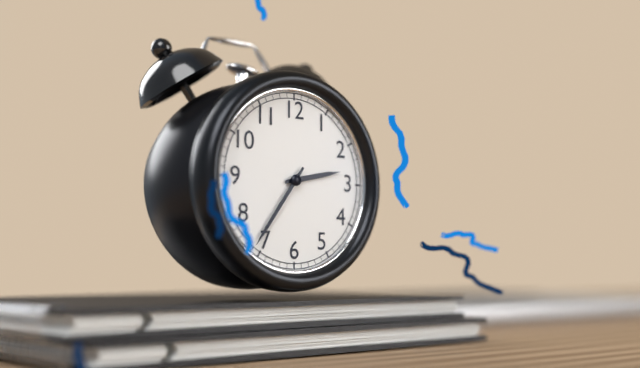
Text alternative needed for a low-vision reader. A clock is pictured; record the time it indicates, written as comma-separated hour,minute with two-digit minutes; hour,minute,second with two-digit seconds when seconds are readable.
2,36
